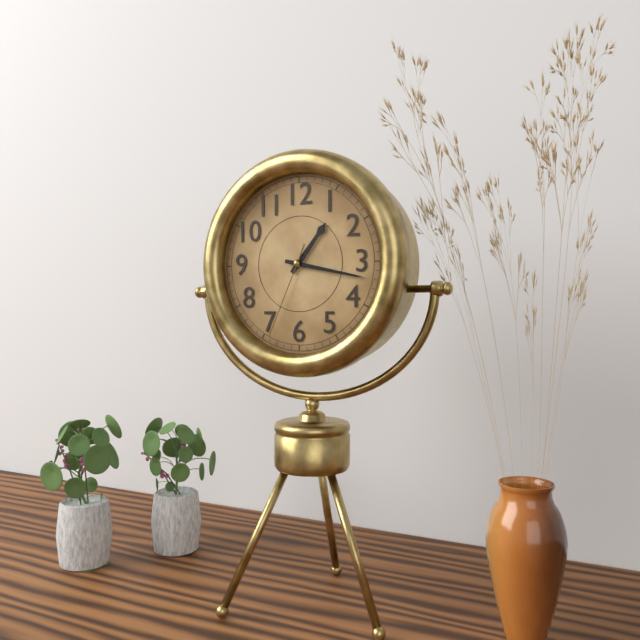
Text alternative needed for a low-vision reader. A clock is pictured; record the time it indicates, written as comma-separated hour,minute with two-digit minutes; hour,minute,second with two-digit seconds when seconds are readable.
1,17,34
